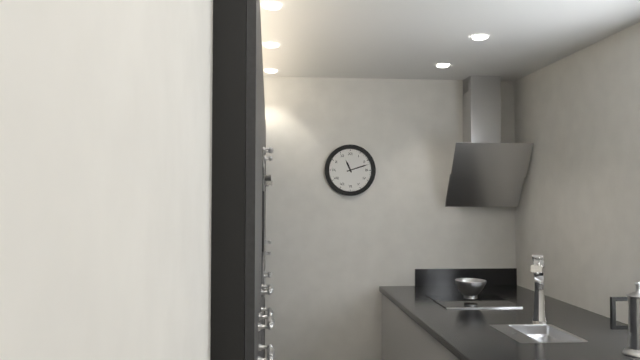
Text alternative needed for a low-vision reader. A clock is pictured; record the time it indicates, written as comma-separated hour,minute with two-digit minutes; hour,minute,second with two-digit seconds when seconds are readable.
11,12
